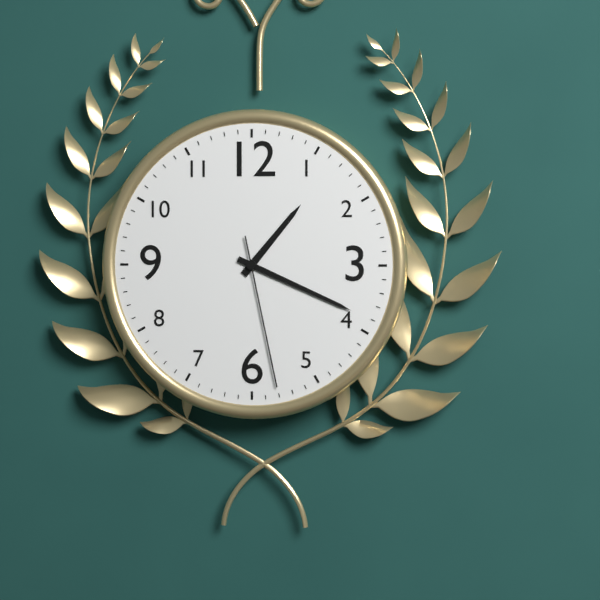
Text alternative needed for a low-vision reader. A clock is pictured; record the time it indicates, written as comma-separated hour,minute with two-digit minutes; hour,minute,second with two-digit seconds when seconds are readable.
1,19,28
